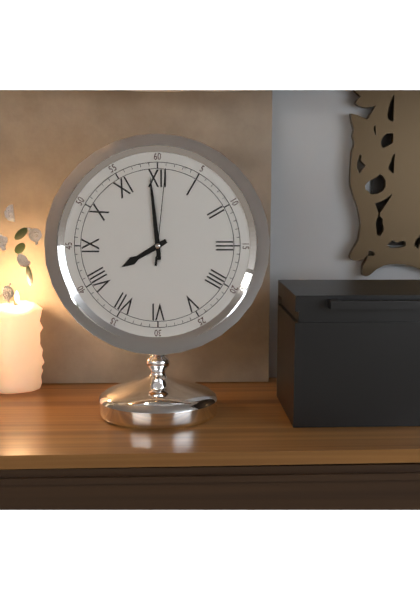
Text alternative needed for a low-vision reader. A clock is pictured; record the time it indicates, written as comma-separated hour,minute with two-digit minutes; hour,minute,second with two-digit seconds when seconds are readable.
7,59,01
